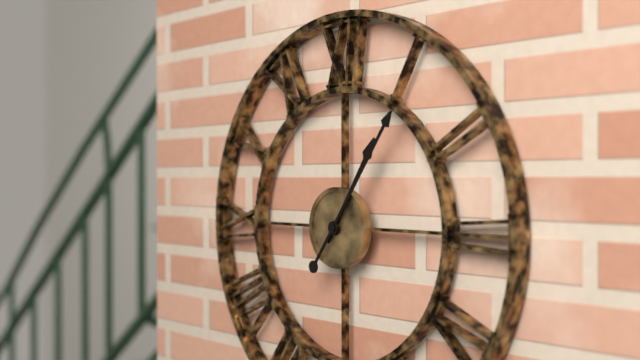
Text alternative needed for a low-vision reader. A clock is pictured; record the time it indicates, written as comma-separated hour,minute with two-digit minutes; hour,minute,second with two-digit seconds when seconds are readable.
1,06
